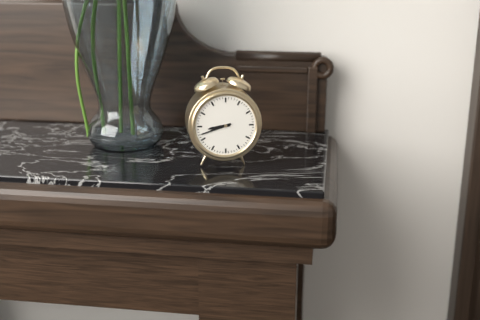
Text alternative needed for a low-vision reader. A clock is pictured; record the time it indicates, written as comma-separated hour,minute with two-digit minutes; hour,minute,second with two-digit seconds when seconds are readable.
8,42
